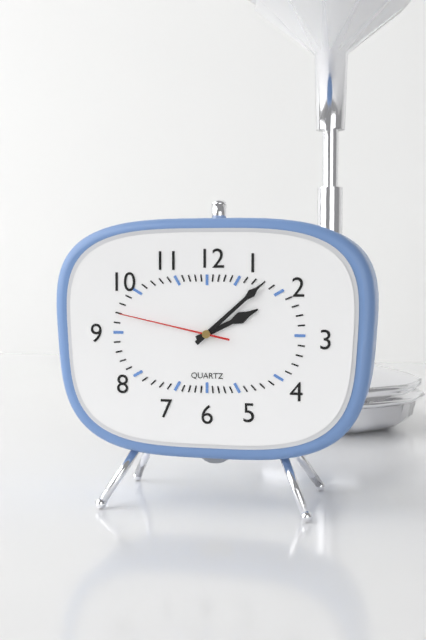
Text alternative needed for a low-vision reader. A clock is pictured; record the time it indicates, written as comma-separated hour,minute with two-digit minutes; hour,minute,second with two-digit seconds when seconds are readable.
2,08,47
